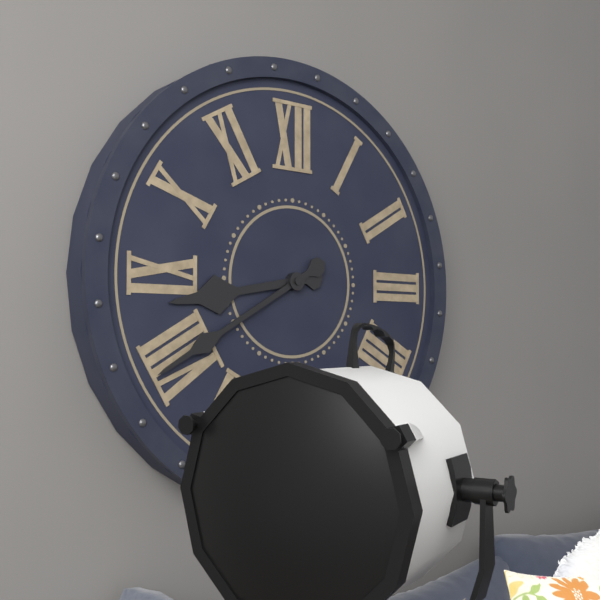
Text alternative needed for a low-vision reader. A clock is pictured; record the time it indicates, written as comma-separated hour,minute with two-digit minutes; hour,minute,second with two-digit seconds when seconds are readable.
8,40
